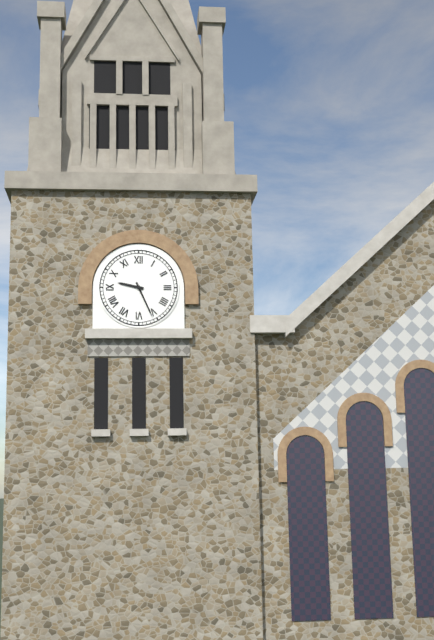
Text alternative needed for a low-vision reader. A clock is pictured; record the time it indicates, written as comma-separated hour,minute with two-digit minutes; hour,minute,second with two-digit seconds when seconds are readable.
9,26
